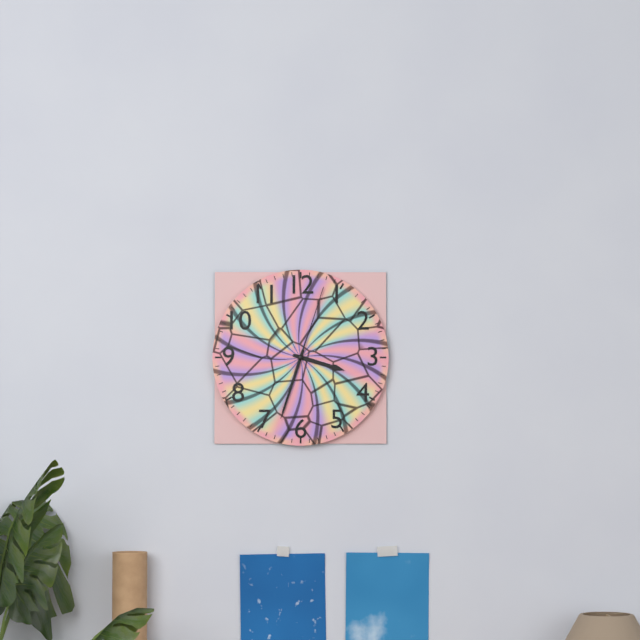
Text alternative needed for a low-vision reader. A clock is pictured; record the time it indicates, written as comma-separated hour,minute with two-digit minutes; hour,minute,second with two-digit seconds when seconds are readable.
3,33,03
